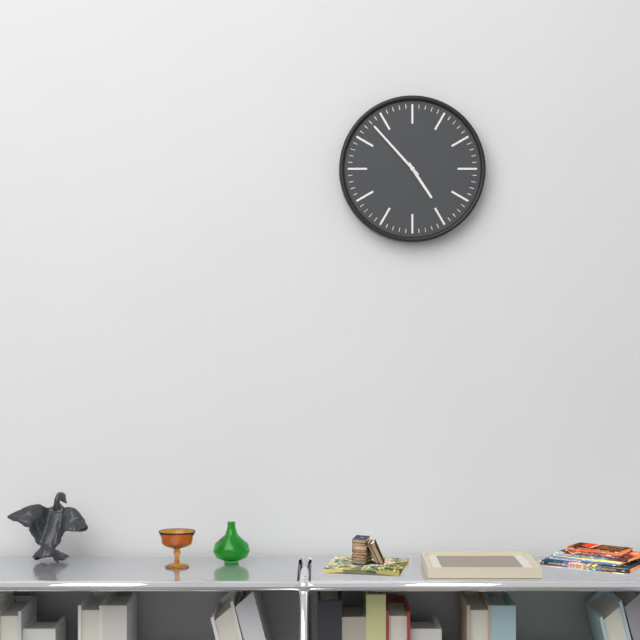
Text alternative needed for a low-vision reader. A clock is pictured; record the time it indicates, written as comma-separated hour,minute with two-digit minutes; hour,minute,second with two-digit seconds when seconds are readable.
4,53
